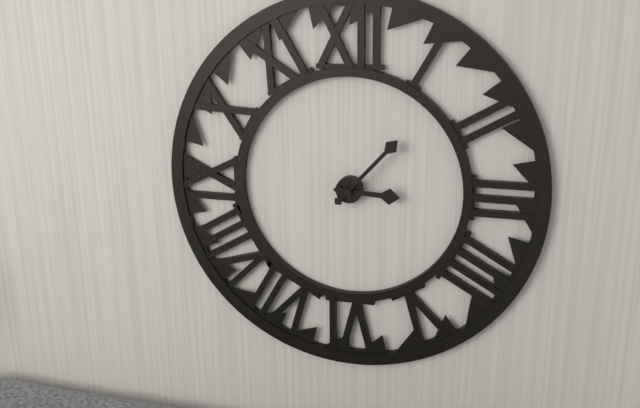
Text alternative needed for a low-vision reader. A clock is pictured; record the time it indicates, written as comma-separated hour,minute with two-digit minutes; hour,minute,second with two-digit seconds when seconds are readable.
3,07
